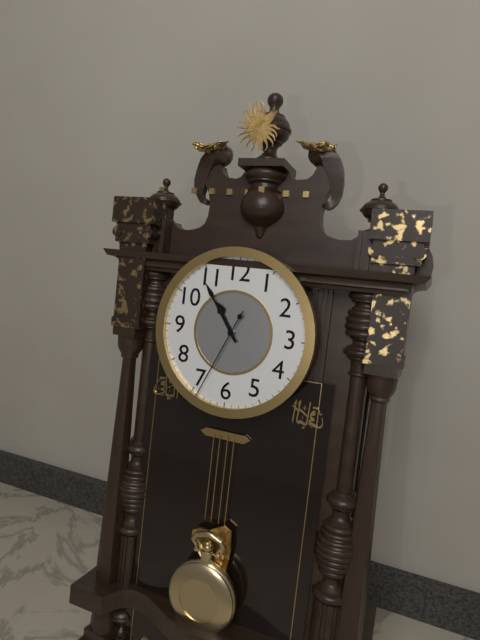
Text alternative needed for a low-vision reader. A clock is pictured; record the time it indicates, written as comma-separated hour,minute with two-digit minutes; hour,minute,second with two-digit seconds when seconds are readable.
10,54,34
